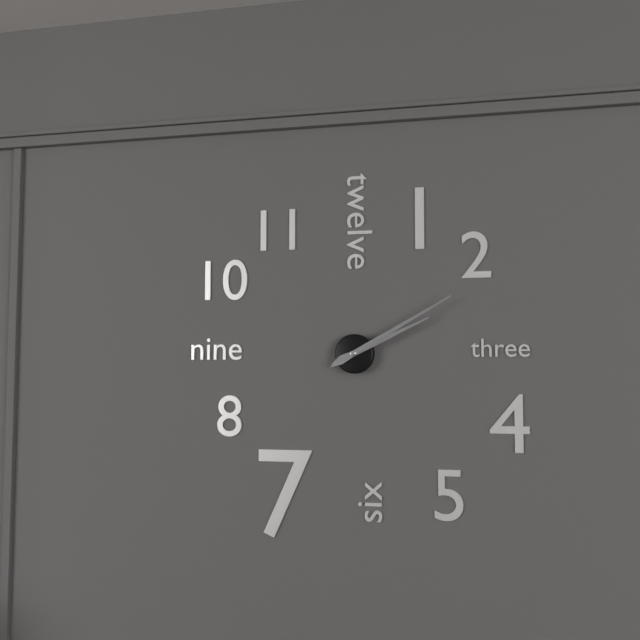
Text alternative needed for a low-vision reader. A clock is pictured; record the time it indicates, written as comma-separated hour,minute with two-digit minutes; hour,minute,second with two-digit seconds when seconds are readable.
2,10
